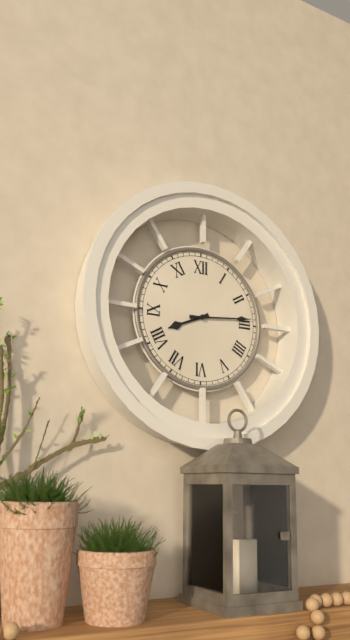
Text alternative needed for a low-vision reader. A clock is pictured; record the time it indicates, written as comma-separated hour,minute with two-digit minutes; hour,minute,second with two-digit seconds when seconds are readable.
8,14
